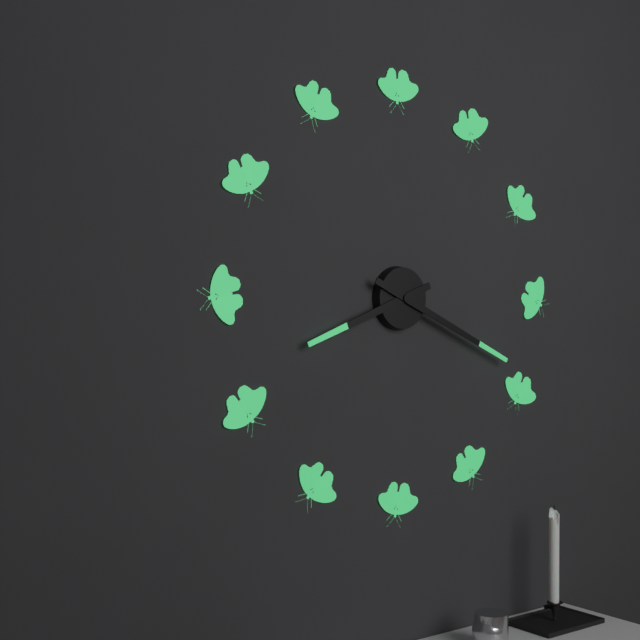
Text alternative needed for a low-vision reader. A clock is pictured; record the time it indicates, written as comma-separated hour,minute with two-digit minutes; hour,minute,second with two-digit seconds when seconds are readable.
8,19
